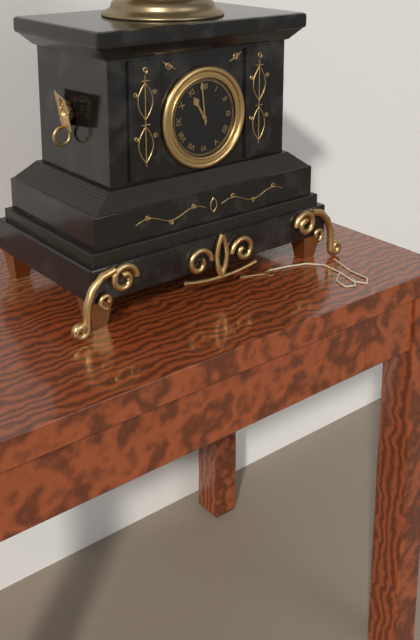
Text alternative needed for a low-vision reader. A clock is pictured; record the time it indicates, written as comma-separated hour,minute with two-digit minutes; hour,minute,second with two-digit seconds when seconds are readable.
10,59
